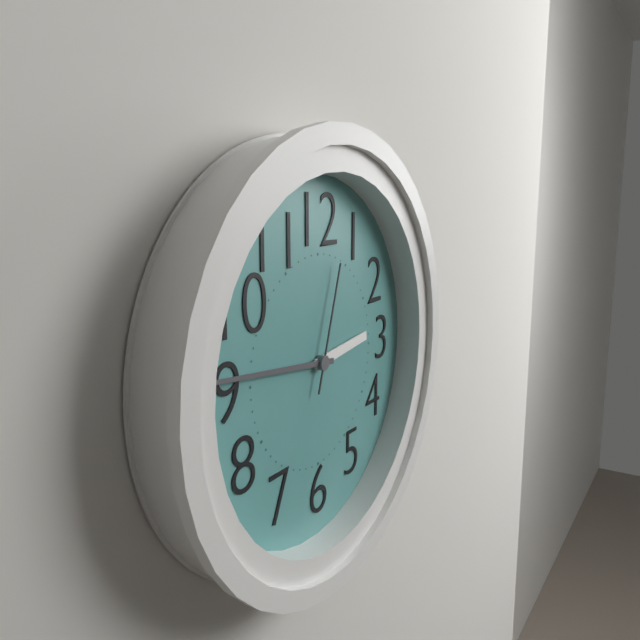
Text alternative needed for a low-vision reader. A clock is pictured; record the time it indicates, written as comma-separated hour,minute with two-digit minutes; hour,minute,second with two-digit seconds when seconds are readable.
2,46,03
